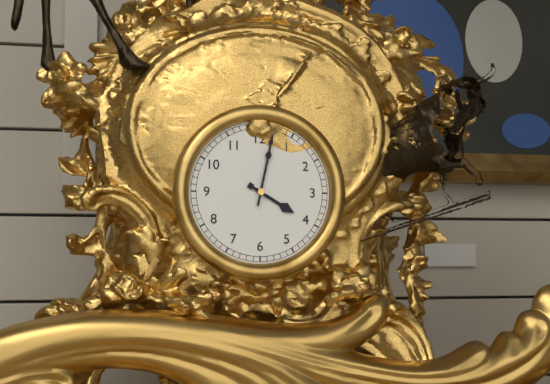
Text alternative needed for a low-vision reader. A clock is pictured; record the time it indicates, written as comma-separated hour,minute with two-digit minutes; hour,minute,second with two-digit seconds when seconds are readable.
4,02
